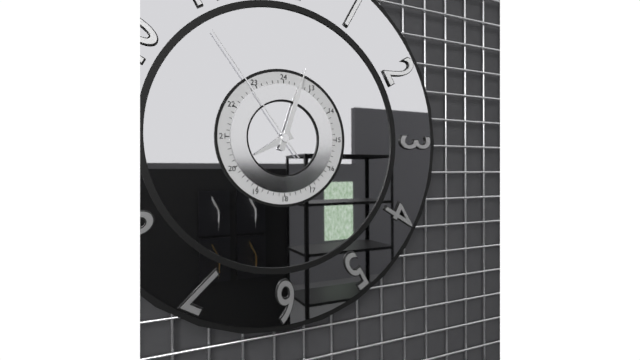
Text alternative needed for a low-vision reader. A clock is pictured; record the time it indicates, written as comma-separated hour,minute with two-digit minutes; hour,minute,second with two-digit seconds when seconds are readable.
8,03,54
